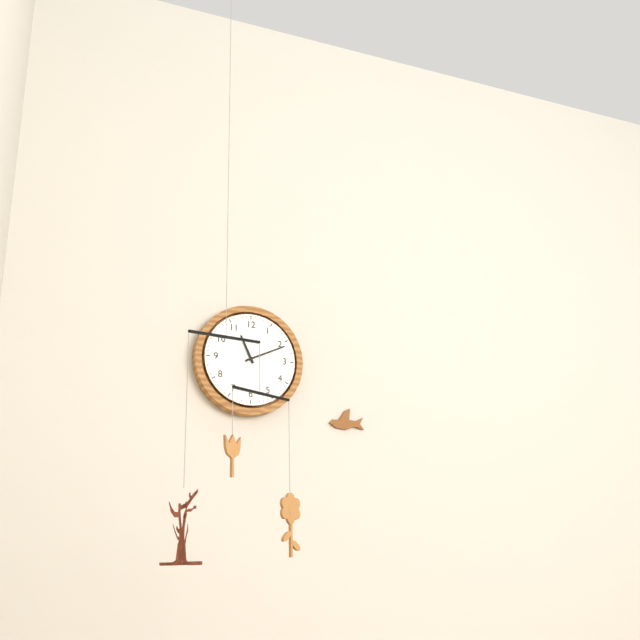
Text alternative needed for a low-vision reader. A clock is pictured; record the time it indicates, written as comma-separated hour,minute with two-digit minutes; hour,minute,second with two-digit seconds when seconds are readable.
11,11
